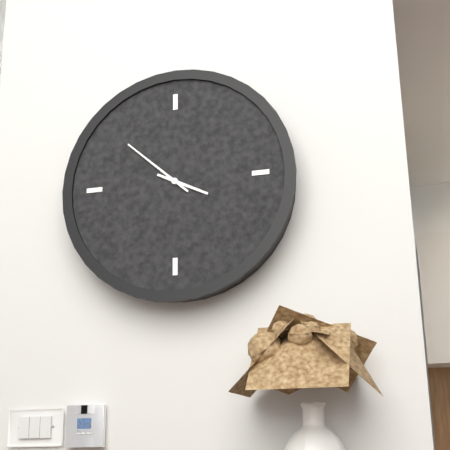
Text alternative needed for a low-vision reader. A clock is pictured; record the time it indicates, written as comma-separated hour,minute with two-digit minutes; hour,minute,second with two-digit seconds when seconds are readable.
3,52
